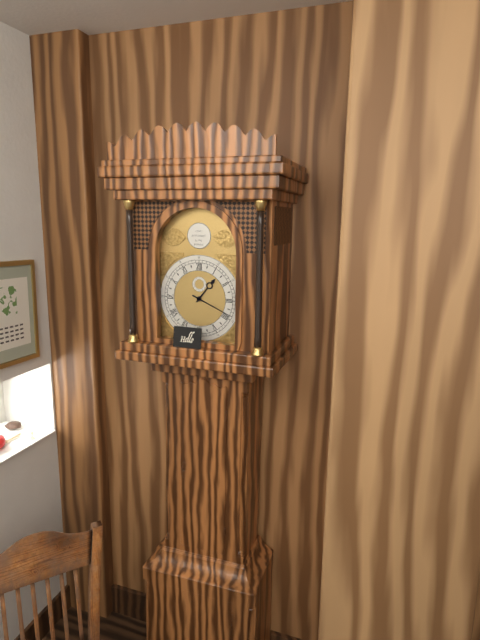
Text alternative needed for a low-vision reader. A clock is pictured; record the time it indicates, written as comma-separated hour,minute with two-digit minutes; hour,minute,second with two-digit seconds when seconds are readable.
1,19
